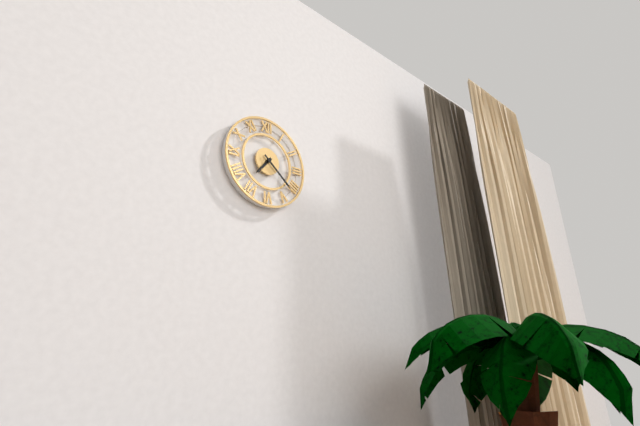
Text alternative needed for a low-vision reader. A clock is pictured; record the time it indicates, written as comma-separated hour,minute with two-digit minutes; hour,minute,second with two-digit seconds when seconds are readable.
7,22
